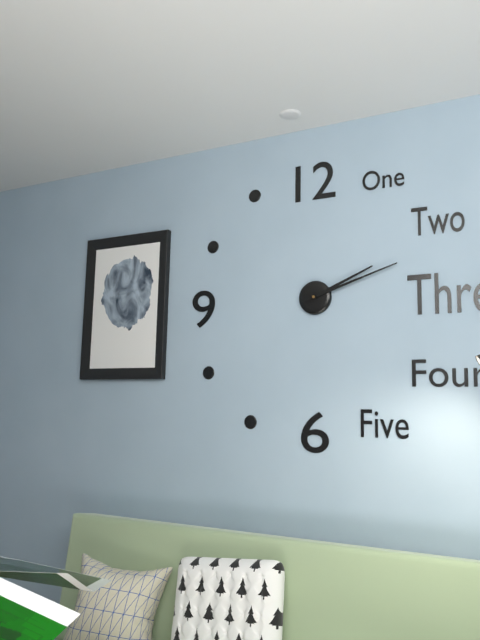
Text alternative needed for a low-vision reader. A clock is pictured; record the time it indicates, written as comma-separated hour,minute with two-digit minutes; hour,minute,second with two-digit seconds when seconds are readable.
2,12
